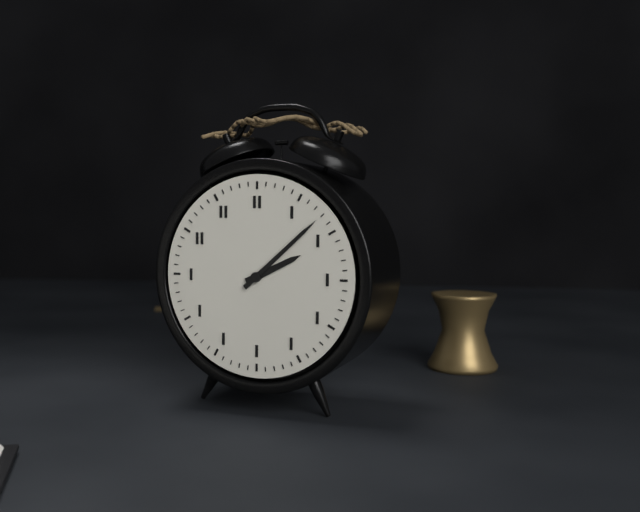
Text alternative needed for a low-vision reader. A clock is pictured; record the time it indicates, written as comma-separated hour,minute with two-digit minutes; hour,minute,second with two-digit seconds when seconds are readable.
2,08
